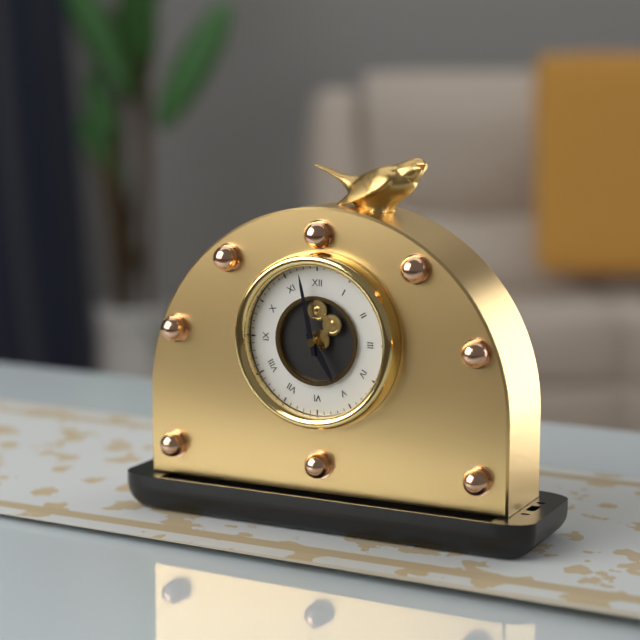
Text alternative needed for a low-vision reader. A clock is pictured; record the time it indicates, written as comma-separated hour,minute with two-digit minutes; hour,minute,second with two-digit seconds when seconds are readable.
4,58
